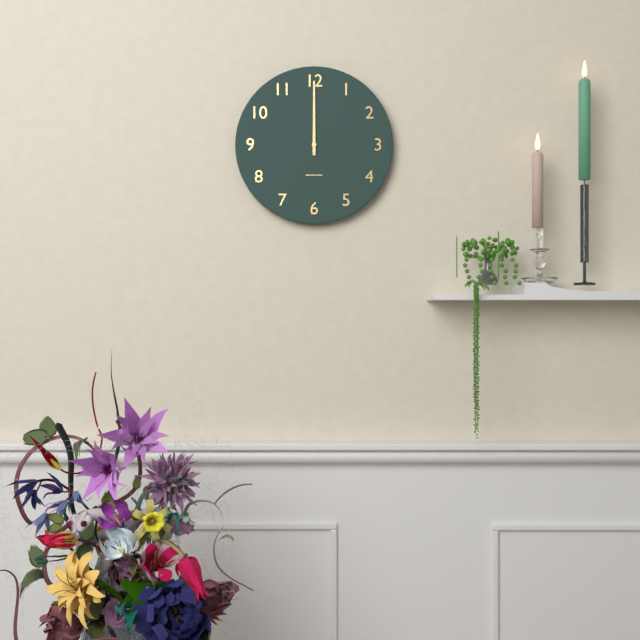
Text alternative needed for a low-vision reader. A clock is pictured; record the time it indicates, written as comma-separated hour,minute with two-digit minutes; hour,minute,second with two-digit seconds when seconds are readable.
12,00
